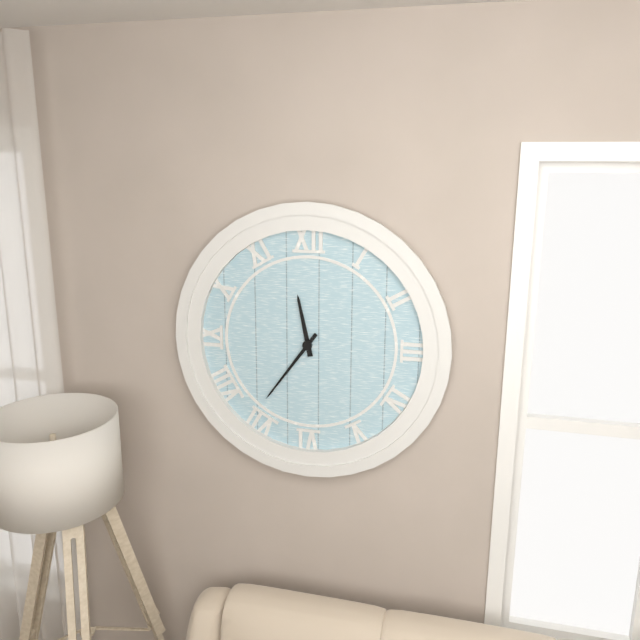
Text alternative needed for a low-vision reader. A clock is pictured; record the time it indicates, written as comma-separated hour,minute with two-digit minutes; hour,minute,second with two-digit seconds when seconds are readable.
11,36
